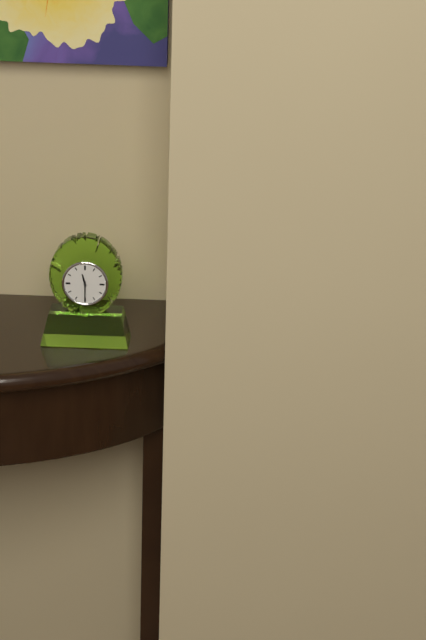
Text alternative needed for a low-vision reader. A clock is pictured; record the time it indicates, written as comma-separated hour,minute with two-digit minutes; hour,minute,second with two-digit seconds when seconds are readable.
11,30
